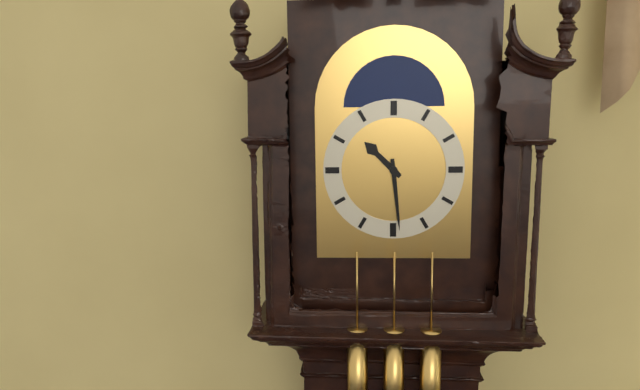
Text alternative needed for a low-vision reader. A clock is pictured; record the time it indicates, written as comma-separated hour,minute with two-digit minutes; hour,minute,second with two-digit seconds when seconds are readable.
10,29
